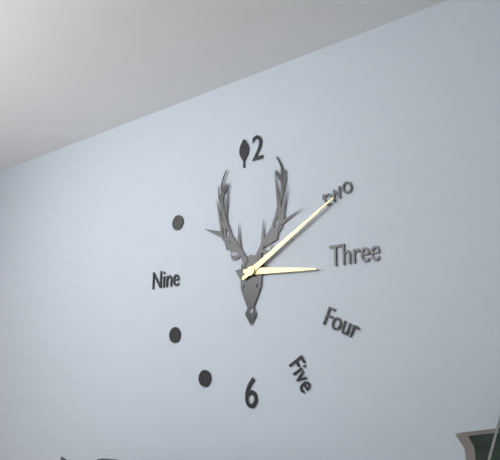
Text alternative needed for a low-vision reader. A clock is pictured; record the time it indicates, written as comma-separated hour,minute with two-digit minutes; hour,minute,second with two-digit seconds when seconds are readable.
3,10
